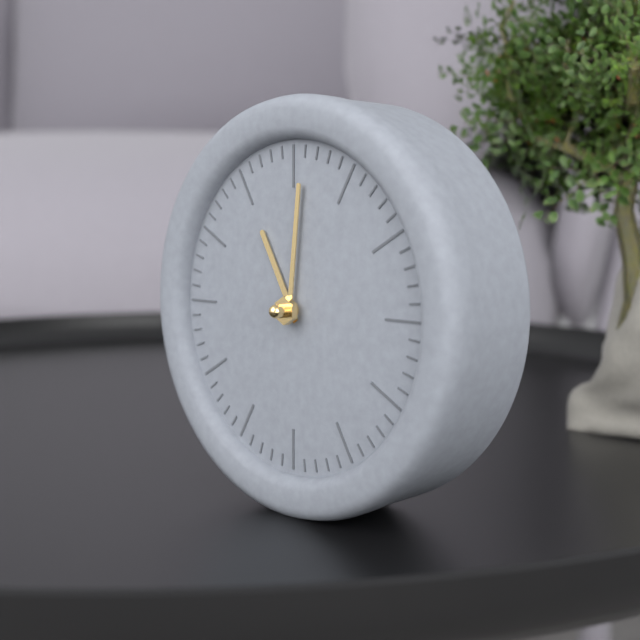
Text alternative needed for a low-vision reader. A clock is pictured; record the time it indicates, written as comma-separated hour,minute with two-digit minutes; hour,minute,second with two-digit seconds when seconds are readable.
11,01
